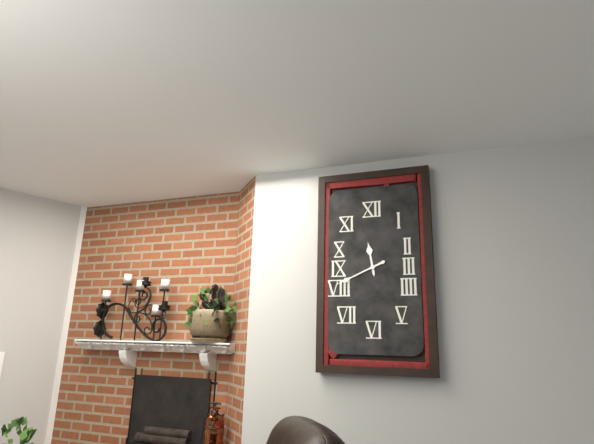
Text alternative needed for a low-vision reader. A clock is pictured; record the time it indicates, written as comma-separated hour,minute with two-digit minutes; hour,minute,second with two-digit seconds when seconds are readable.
11,41
